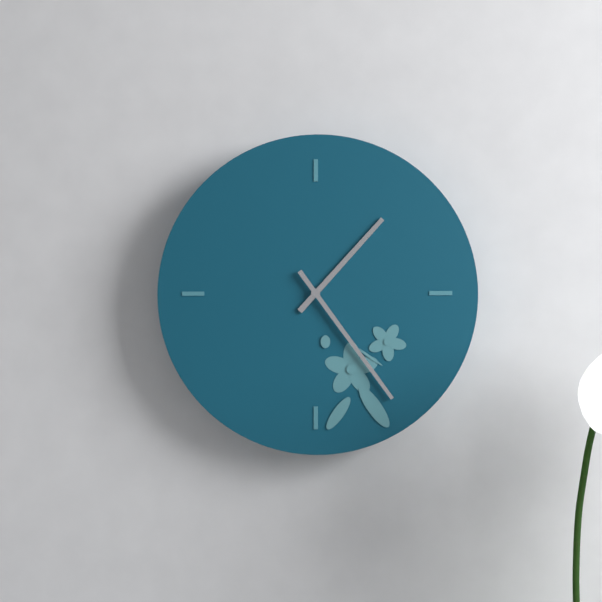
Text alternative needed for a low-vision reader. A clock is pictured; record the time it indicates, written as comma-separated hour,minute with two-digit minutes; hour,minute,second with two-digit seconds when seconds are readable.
1,24
